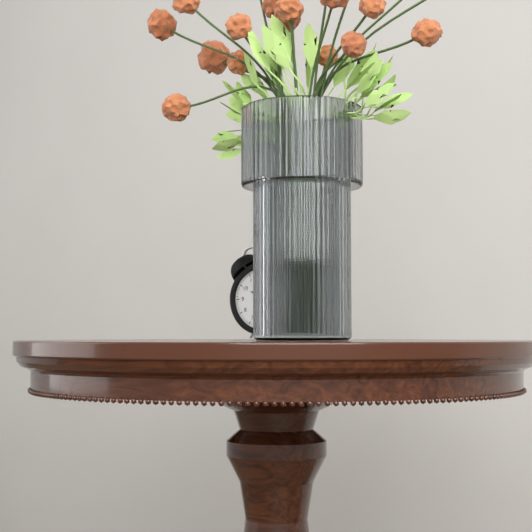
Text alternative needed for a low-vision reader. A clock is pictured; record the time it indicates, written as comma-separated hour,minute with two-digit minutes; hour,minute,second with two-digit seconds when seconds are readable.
10,07
